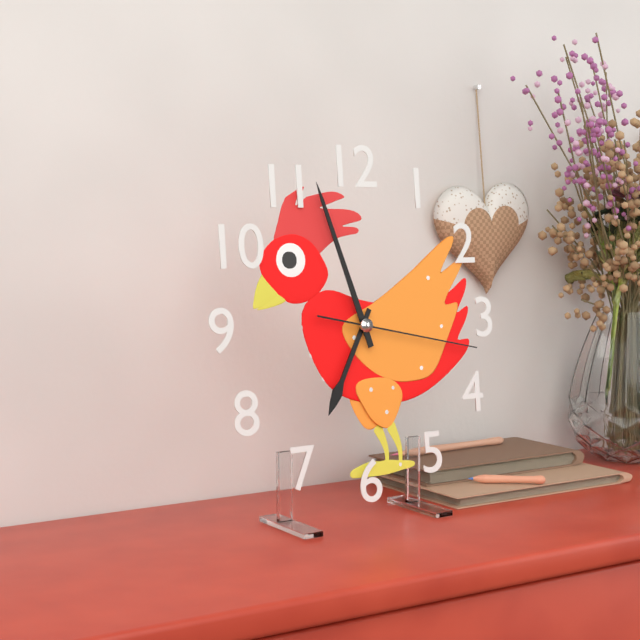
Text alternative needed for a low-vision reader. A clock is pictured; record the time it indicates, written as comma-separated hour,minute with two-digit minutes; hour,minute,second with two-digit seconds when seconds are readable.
6,57,17
